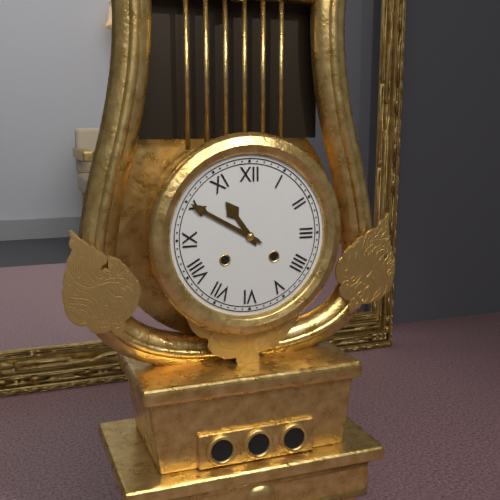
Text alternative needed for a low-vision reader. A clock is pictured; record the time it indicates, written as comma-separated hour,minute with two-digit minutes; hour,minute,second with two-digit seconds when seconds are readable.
10,50
